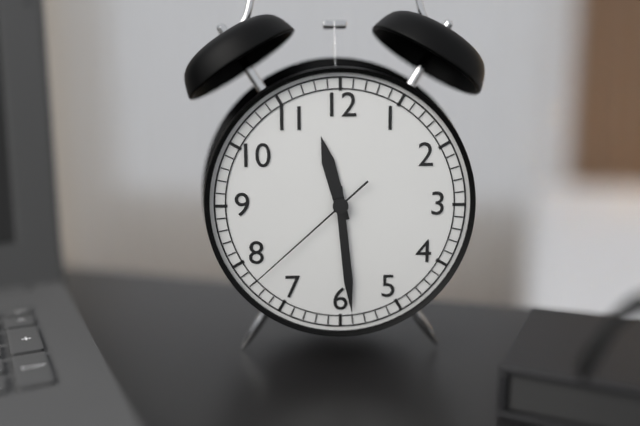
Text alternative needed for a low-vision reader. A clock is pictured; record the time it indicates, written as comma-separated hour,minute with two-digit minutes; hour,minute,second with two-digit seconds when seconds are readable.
11,29,38
